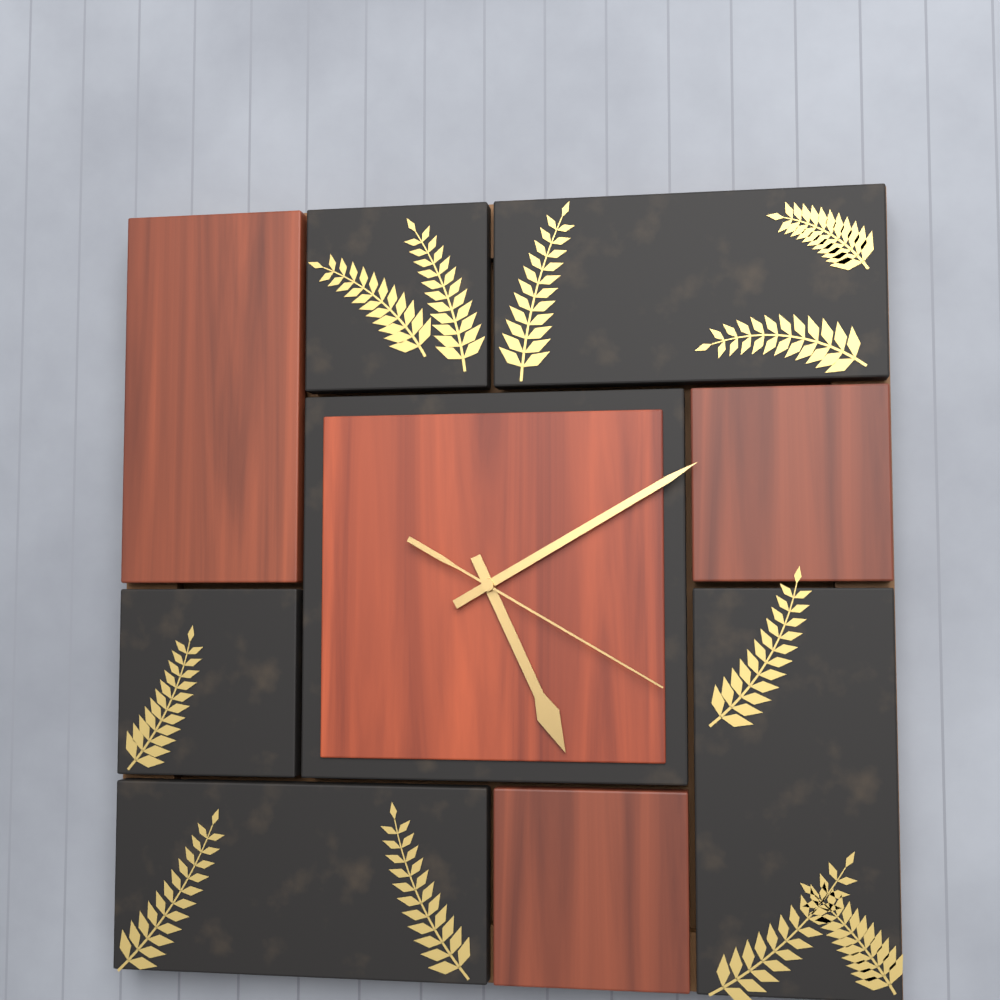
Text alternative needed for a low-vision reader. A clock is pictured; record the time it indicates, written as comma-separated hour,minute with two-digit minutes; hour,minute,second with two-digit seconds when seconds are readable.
5,10,20
